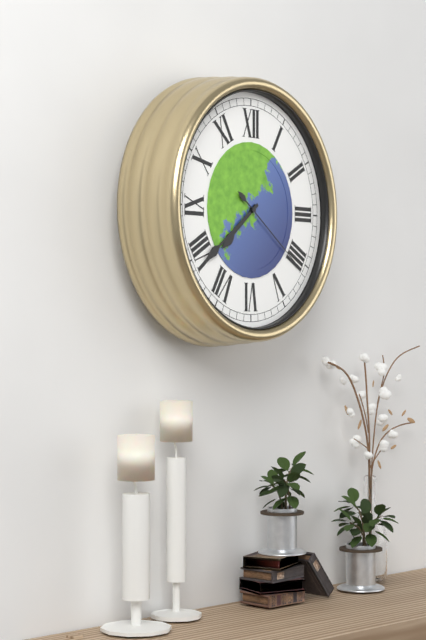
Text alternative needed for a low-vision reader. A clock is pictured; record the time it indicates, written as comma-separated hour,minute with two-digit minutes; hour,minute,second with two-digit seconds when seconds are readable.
7,39,21
